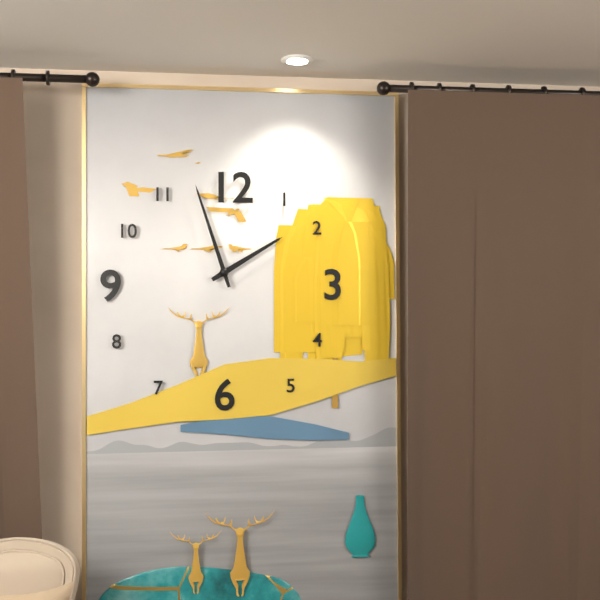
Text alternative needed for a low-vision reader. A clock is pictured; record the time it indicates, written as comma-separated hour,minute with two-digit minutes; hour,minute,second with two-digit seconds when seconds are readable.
1,57
